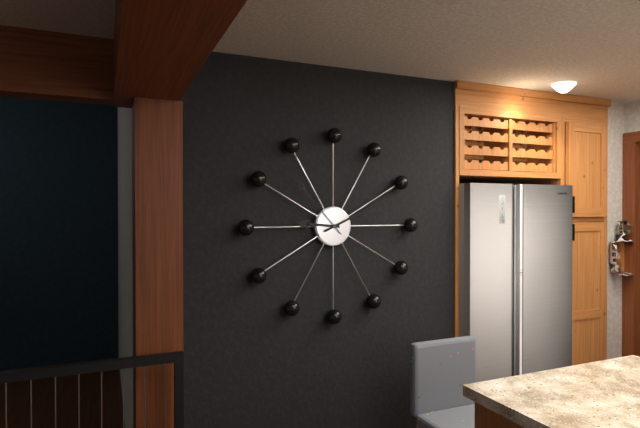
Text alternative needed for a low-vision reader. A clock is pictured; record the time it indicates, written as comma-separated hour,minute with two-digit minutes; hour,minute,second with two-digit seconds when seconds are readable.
9,11,53
